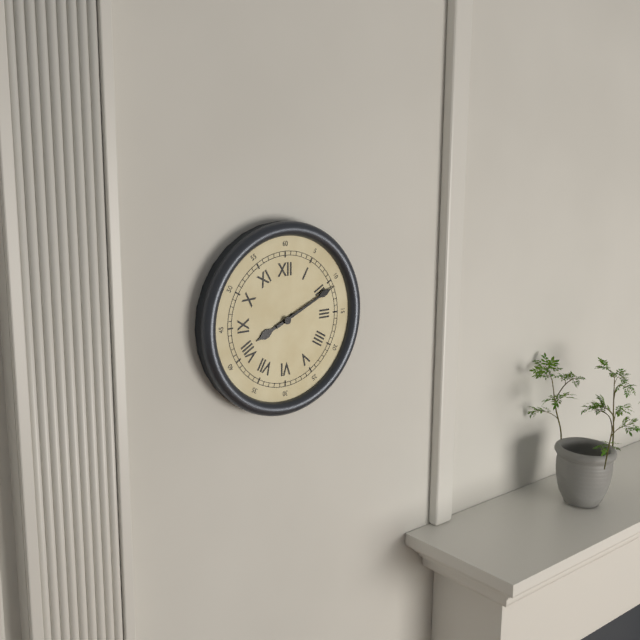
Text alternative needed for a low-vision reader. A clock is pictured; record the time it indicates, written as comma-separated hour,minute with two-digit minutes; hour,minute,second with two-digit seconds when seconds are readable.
8,11
